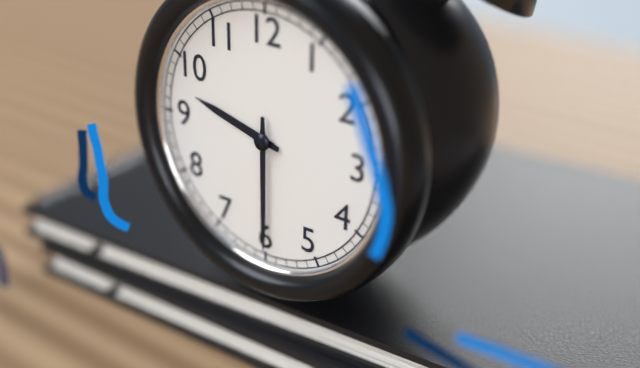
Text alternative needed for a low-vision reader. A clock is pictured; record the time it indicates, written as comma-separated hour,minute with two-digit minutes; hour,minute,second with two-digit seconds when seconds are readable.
9,30
